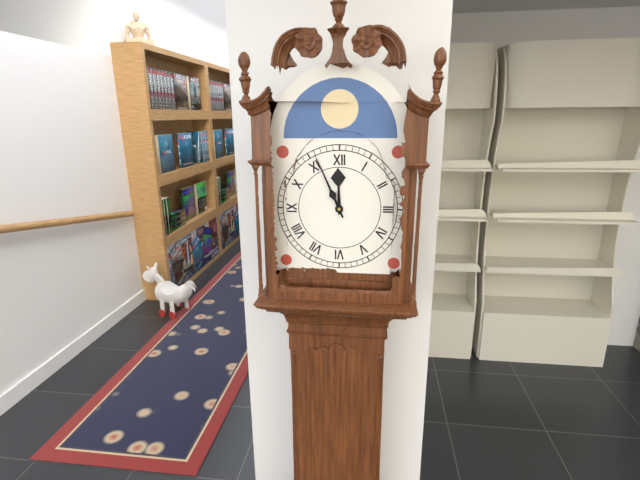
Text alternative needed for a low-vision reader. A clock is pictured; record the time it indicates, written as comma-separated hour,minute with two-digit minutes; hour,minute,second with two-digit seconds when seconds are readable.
11,56
